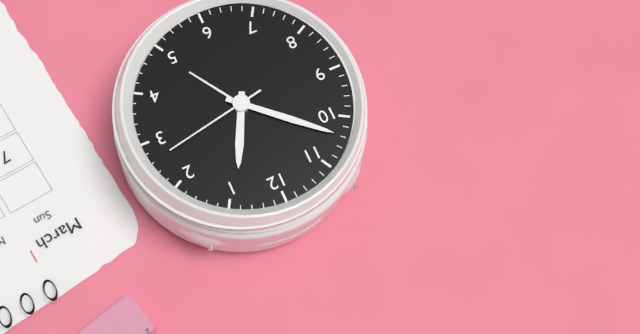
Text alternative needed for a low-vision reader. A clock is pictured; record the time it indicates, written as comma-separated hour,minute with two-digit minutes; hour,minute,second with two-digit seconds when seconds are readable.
12,52,13
